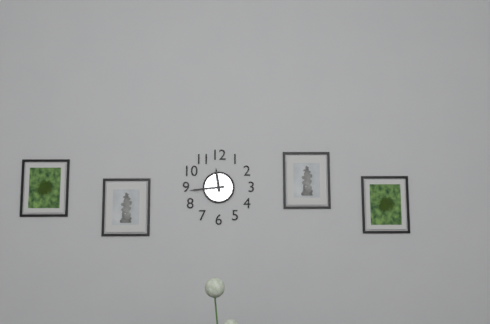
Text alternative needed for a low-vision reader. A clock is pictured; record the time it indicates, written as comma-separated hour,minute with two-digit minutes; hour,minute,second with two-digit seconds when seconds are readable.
11,44
